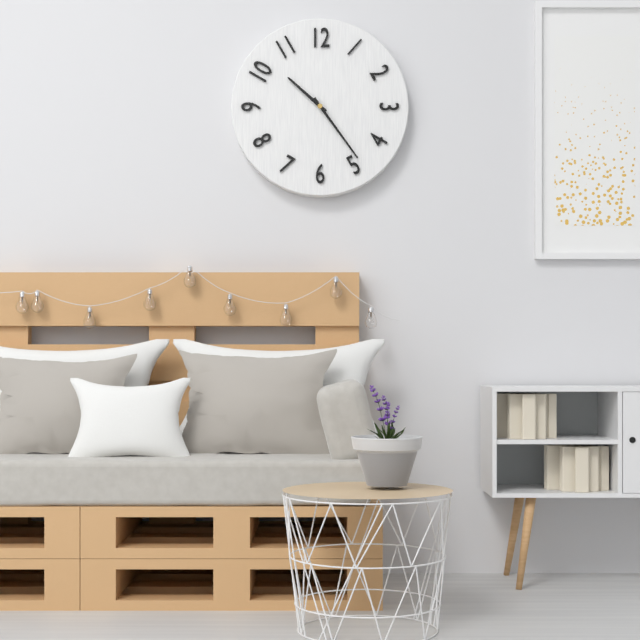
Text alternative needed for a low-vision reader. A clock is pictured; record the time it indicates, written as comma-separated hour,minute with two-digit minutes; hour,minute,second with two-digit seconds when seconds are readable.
10,24
